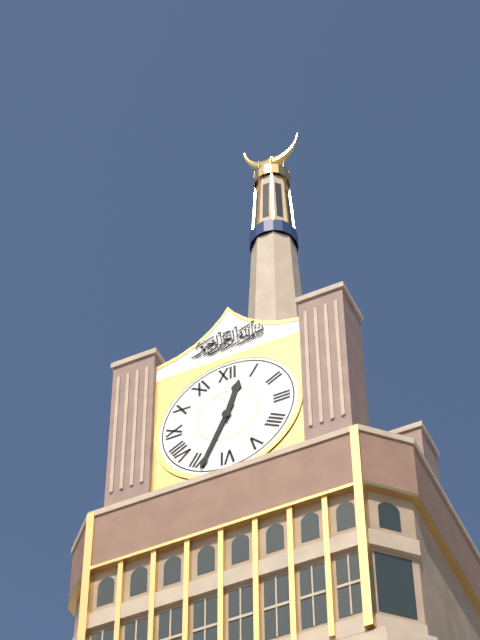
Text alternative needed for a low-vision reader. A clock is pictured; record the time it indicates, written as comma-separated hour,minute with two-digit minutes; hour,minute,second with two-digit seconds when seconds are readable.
12,34
